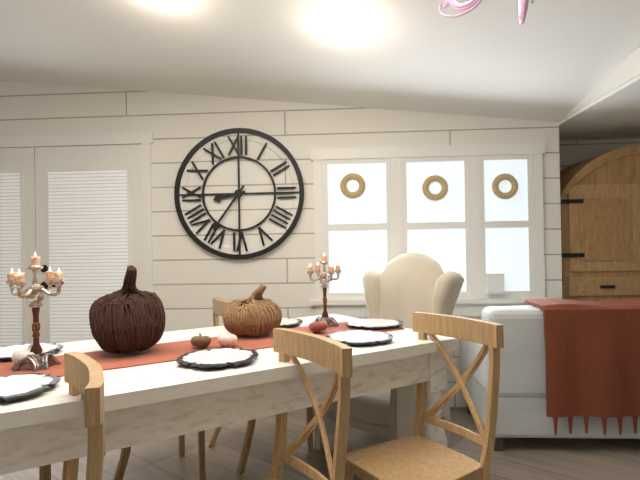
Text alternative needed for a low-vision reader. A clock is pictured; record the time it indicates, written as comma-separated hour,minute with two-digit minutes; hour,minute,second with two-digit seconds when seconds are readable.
8,36
